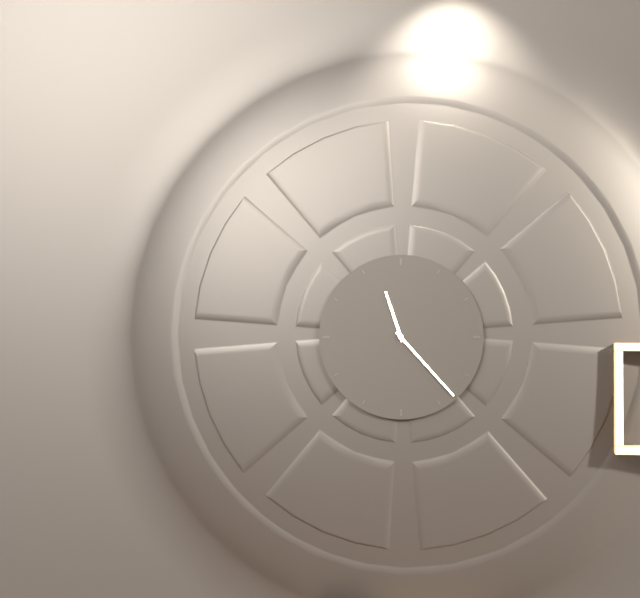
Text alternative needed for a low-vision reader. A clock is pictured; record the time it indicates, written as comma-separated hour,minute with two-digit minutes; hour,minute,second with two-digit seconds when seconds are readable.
11,23
